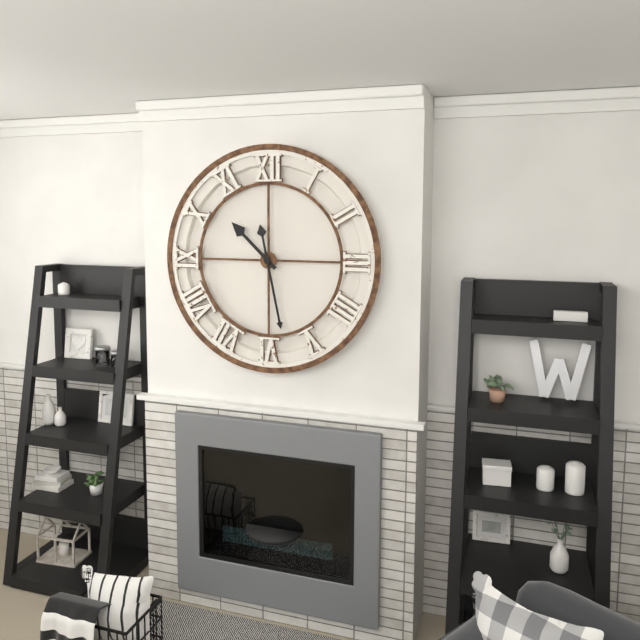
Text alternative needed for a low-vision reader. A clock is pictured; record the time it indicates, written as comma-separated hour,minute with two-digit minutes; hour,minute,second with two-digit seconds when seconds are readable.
10,28
